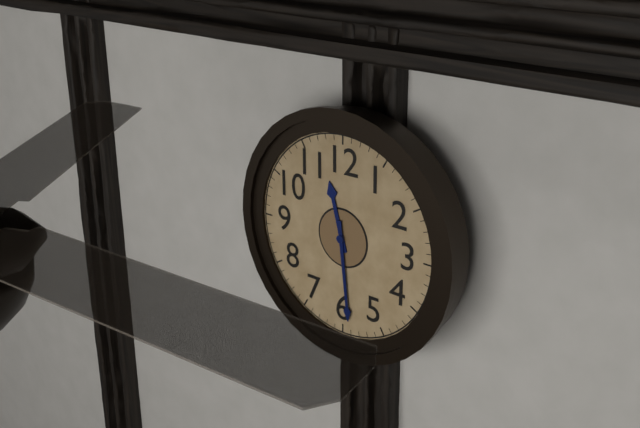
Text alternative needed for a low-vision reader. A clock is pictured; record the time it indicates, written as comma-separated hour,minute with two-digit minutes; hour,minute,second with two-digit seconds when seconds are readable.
11,29
